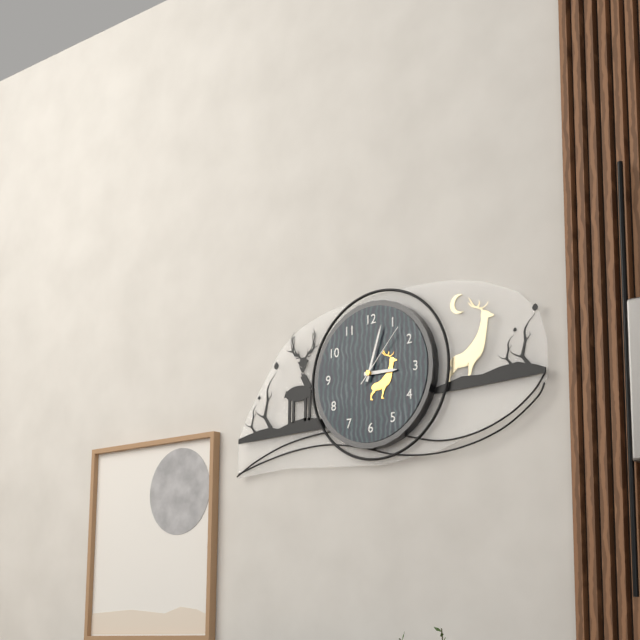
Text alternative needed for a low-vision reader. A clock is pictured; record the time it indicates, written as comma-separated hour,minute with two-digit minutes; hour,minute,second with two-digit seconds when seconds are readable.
3,03,07
